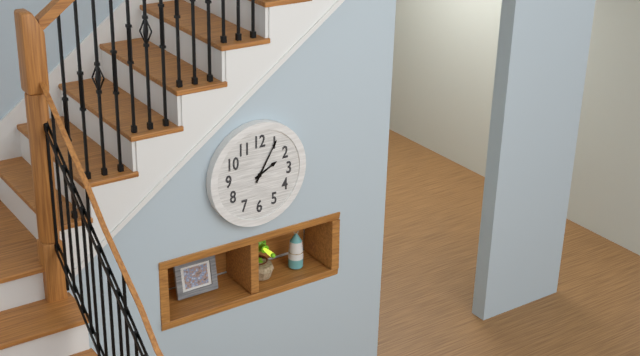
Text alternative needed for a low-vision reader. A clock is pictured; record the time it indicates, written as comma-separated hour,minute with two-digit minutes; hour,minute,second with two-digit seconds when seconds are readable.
2,05
